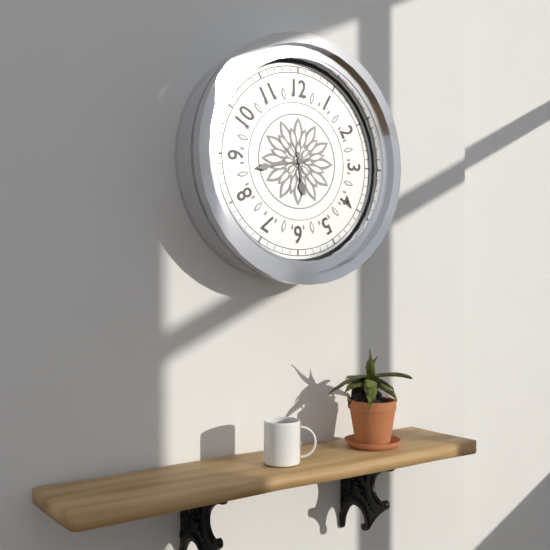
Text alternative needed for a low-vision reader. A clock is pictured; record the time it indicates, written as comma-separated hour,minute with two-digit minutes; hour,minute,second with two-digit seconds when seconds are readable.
5,43
